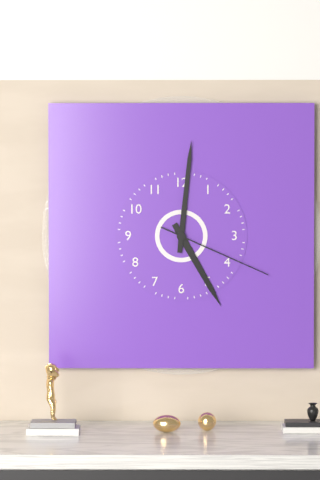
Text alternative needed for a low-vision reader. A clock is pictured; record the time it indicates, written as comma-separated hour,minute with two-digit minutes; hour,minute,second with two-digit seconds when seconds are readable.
5,01,19
